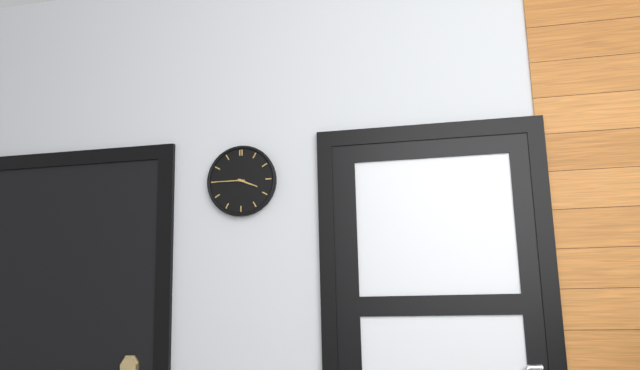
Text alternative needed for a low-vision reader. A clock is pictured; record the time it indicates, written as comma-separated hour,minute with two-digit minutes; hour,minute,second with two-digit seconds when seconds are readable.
3,45
